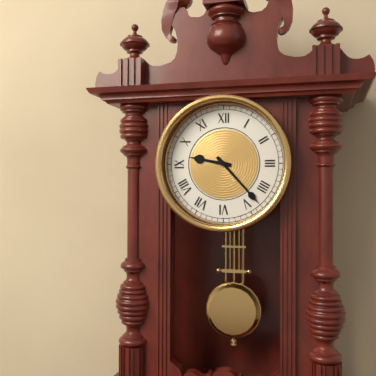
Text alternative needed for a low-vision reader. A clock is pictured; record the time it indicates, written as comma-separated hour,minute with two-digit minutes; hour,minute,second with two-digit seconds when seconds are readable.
9,23
